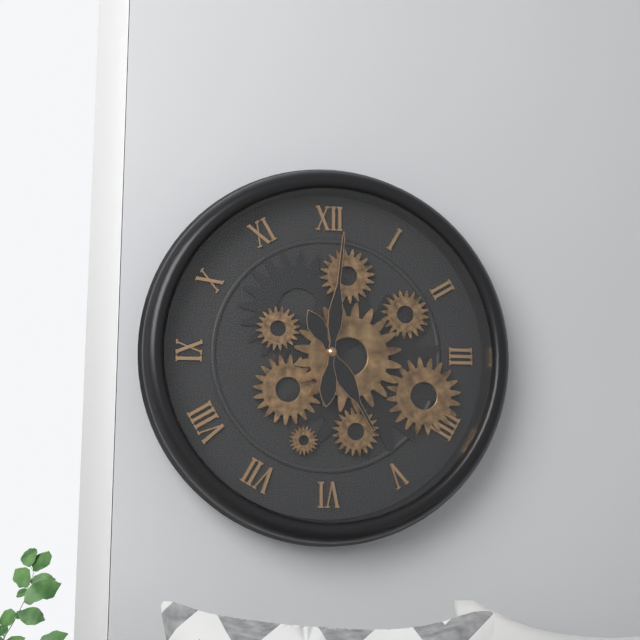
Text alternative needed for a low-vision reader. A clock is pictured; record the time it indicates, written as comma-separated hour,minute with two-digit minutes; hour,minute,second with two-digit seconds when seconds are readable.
5,01
